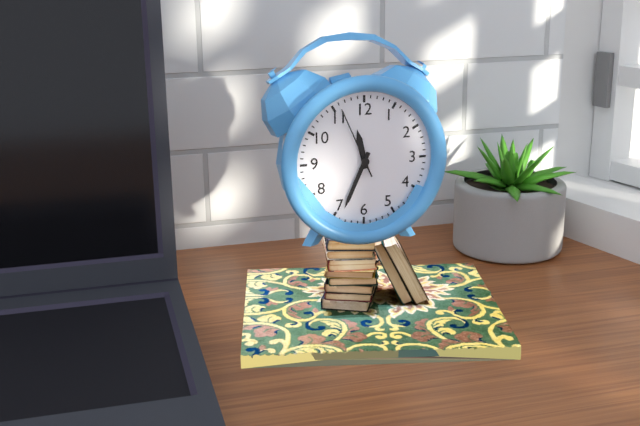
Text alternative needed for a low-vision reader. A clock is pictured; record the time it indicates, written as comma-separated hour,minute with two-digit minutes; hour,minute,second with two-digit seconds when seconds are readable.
11,34,56
